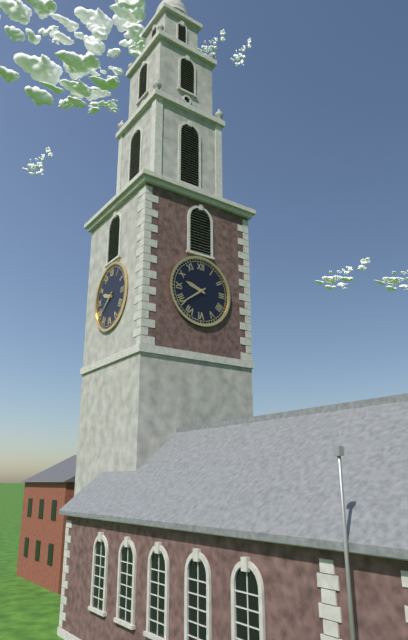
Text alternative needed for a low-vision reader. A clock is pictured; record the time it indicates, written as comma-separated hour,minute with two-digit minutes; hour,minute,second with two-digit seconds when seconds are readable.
9,39
